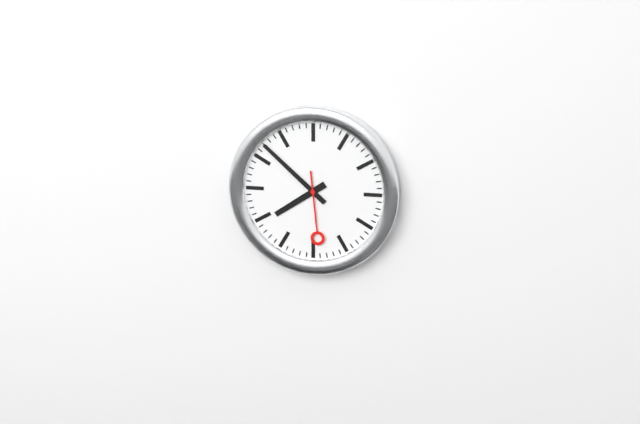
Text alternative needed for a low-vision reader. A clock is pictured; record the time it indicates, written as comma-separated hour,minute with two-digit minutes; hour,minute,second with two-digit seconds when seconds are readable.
7,52,29
